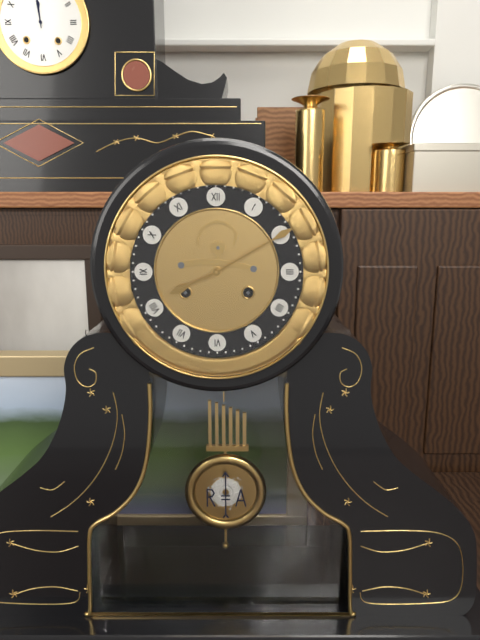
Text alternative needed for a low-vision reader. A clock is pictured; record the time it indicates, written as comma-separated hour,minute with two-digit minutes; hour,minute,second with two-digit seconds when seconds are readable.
8,10
